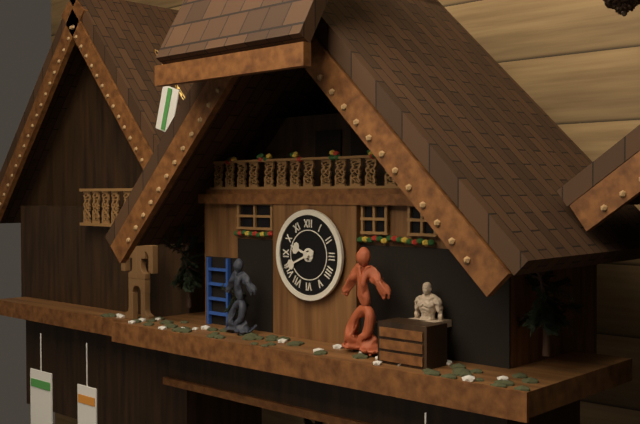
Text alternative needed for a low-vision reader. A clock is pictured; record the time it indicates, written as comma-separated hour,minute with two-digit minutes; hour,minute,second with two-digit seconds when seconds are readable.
9,41
